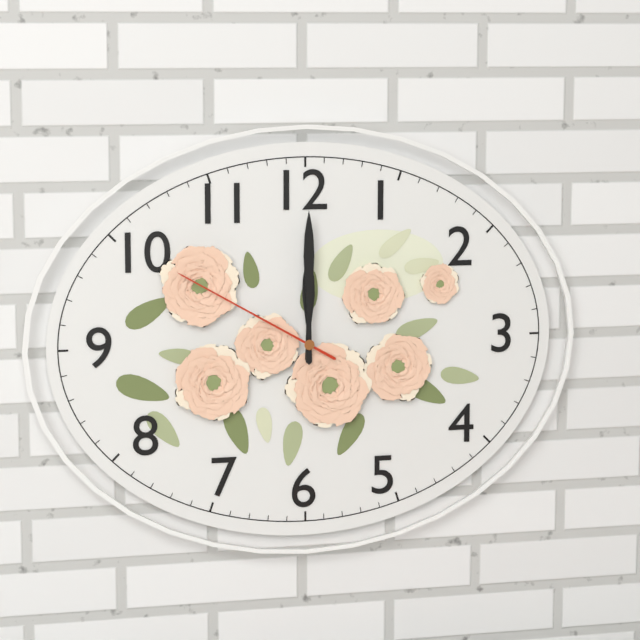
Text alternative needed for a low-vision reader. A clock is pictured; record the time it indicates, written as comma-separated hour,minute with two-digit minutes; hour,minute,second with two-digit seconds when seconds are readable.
12,00,50
